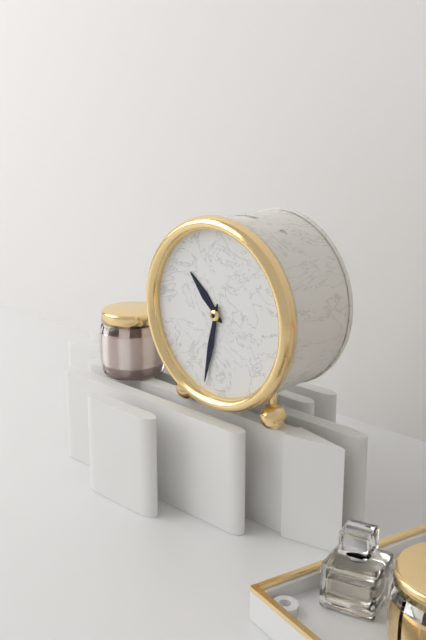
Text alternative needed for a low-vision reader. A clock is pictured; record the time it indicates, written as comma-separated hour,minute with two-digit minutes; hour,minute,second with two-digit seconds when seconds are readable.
10,32
